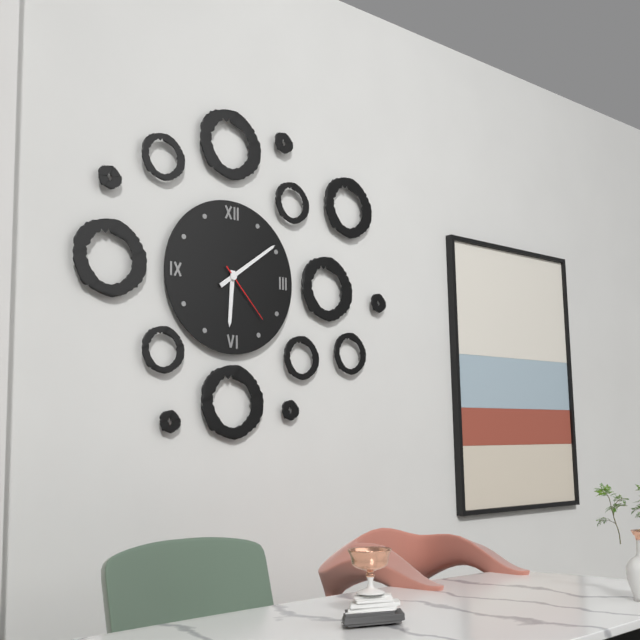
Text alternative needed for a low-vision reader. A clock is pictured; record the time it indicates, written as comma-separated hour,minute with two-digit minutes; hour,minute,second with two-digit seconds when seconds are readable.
6,09,23
